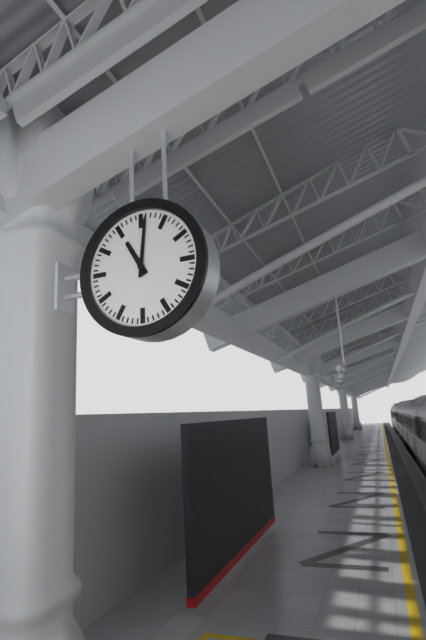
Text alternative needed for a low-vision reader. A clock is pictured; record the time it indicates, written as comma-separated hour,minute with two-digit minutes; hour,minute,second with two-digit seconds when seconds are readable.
11,01
